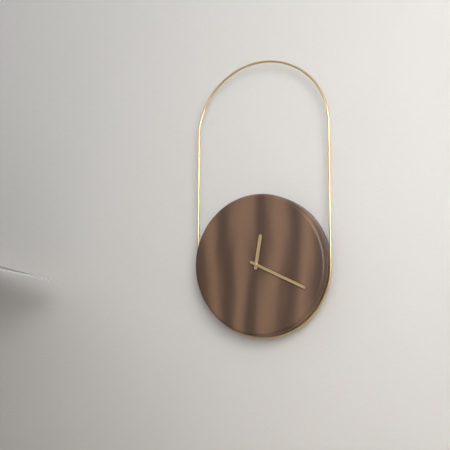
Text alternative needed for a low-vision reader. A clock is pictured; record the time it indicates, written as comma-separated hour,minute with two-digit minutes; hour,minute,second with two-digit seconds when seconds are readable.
12,19
